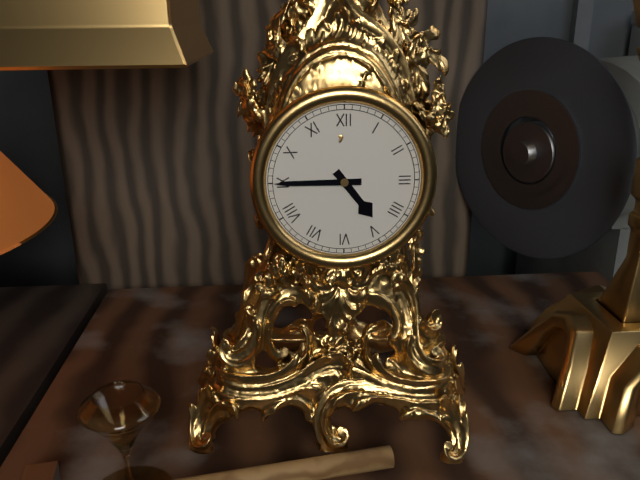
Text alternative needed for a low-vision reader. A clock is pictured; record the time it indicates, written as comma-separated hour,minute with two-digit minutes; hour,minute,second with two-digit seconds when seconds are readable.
4,45
